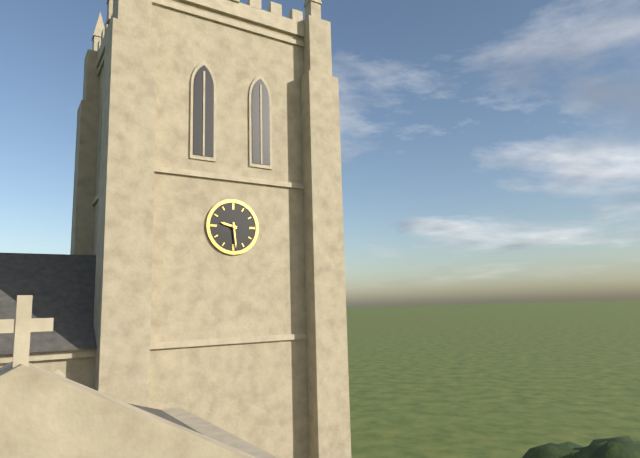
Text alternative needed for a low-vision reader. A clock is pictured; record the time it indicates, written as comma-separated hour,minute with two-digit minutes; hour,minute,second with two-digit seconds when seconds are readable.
9,29
